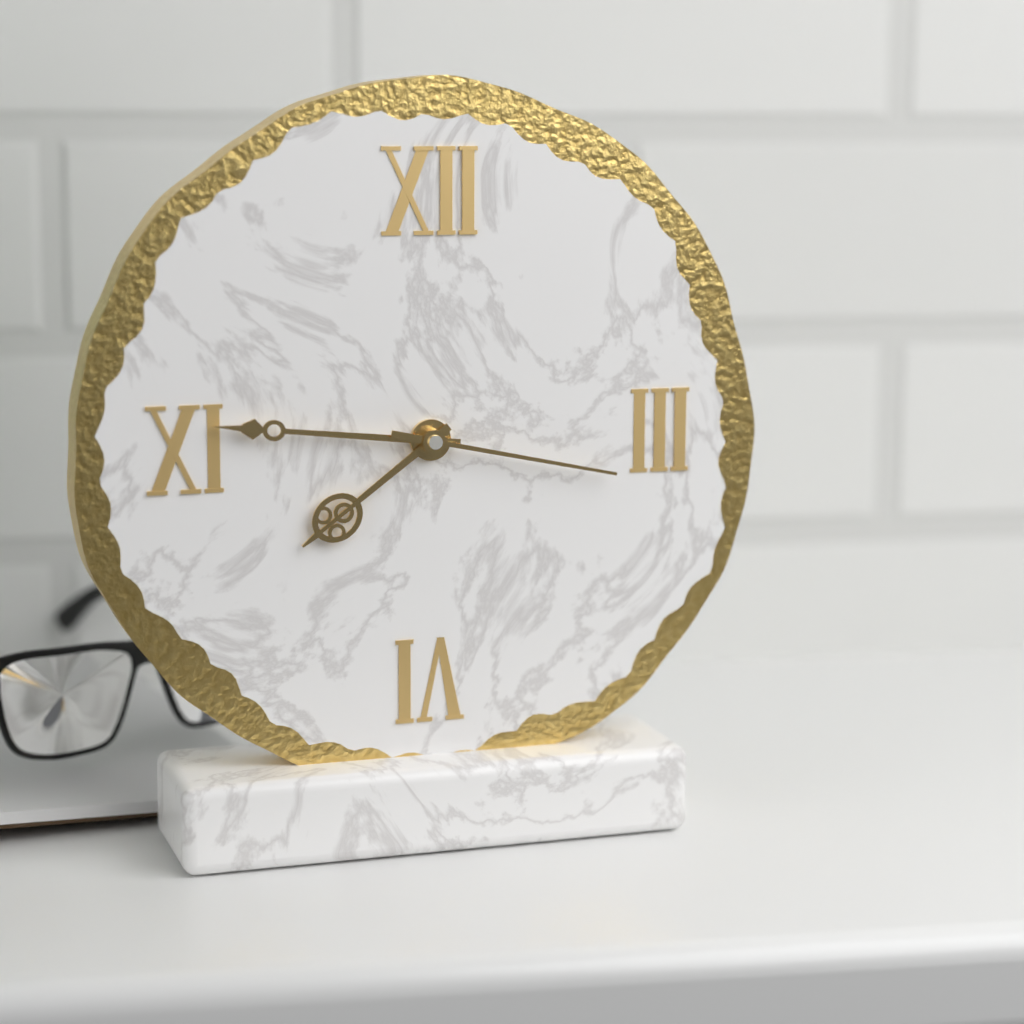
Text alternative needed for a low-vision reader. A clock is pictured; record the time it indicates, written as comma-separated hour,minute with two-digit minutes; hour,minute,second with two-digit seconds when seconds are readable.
7,46,17
